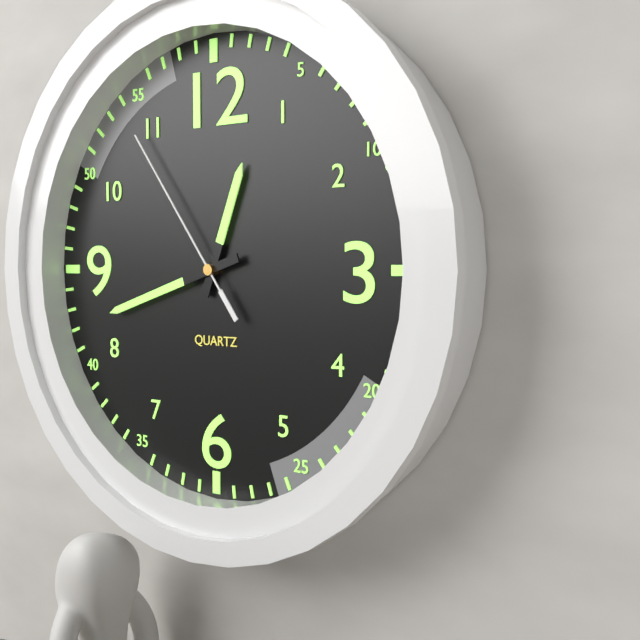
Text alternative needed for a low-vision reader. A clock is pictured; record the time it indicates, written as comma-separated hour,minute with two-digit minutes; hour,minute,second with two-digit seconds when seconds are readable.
12,42,54
